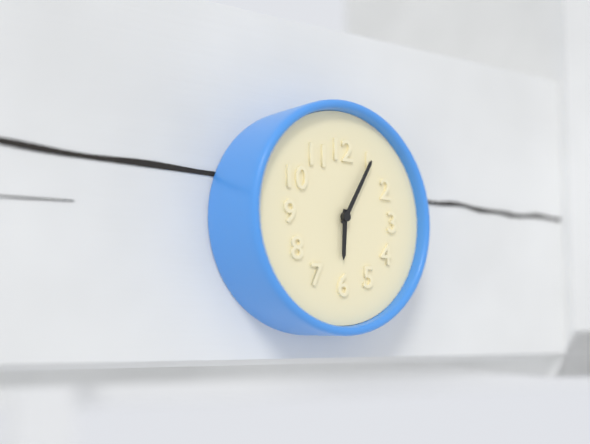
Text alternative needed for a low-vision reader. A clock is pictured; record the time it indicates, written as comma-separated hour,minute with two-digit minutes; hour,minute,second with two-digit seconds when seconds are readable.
6,05
